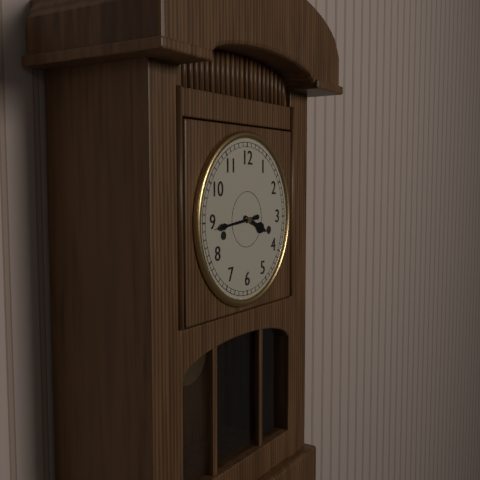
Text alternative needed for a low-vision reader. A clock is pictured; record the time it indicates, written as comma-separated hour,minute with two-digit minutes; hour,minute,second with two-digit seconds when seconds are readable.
3,44
